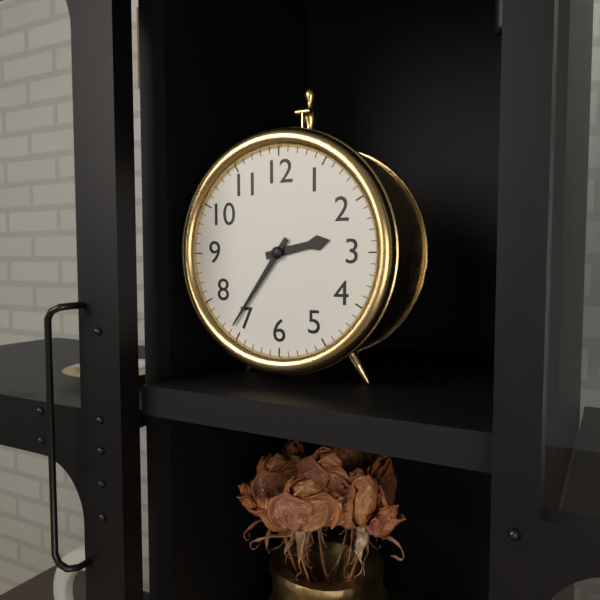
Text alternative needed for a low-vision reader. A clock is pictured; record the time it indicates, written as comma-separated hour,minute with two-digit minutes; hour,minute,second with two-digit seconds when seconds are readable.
2,36
